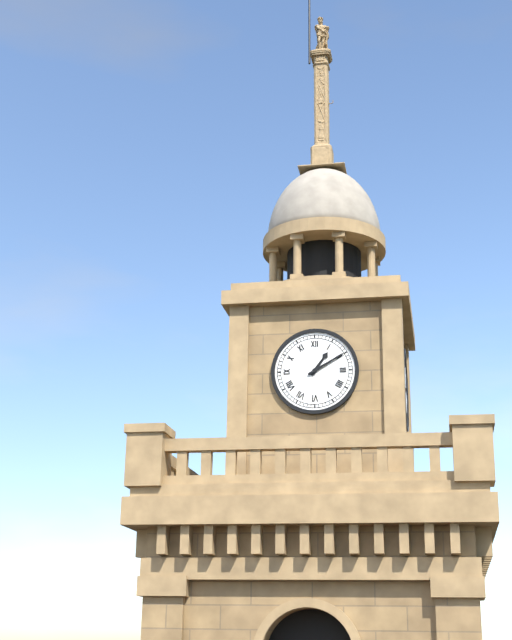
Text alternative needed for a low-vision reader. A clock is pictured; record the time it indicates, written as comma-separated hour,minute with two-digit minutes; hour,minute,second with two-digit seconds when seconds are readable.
1,10
